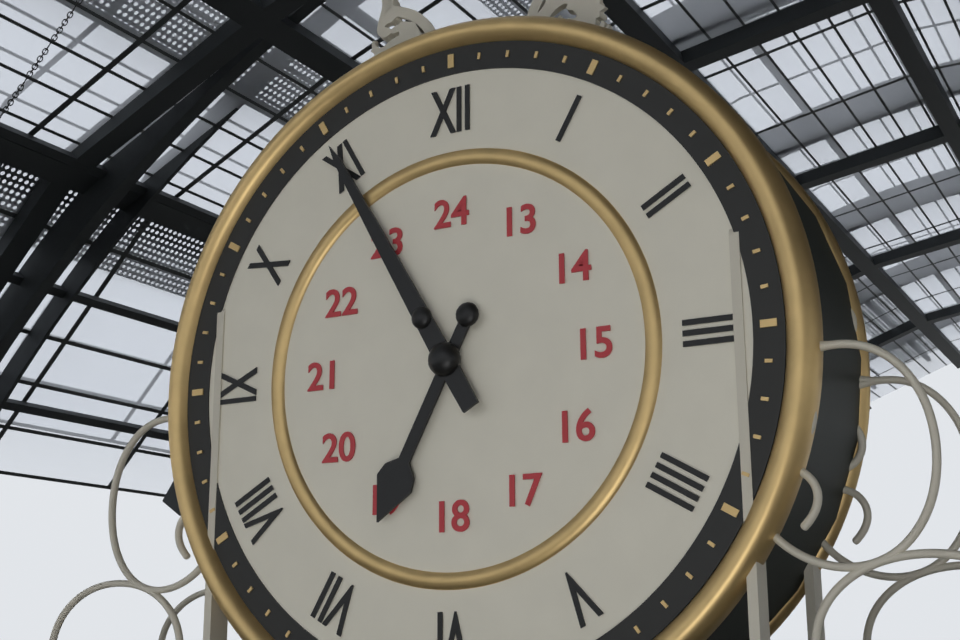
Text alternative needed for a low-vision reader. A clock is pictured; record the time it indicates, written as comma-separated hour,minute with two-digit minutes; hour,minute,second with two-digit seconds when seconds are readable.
6,55
